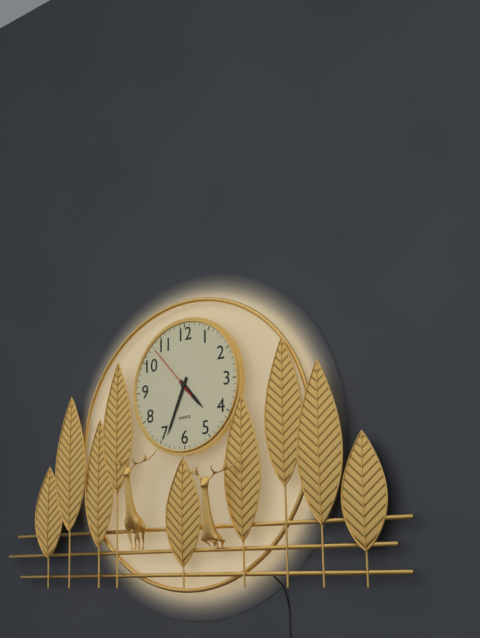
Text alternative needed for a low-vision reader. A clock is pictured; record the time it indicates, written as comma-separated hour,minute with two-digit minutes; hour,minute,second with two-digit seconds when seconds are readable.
4,34,53
